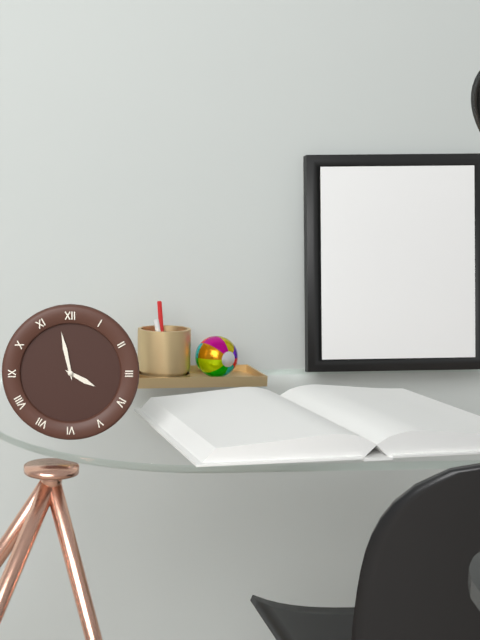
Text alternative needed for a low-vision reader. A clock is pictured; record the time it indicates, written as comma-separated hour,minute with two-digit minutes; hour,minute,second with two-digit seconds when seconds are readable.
3,58
